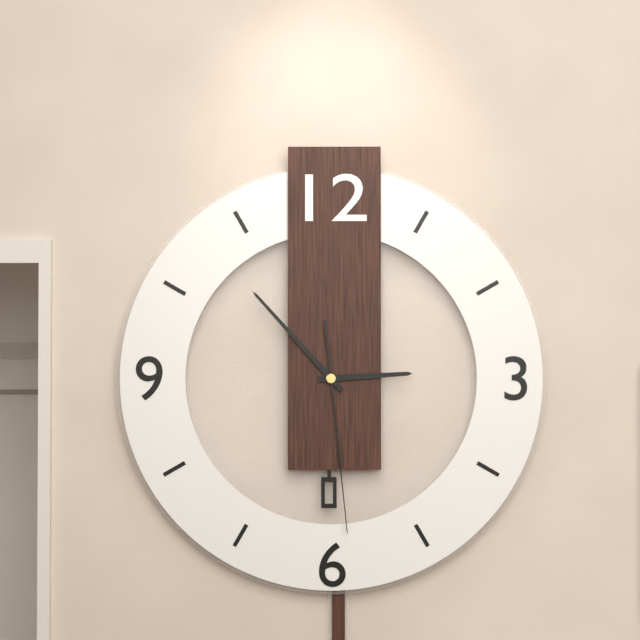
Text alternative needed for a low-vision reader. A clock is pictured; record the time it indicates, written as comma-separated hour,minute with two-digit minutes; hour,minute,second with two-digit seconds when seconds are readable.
2,53,29
